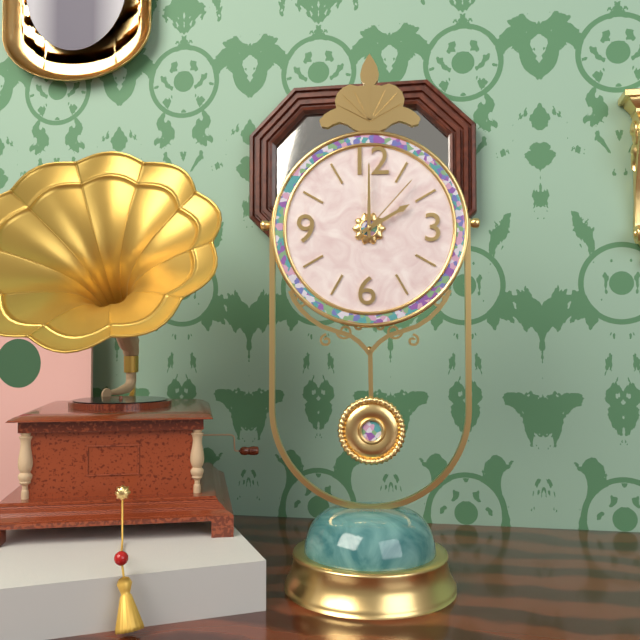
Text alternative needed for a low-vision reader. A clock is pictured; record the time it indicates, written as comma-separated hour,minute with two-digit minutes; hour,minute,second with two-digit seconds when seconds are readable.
2,00,07
